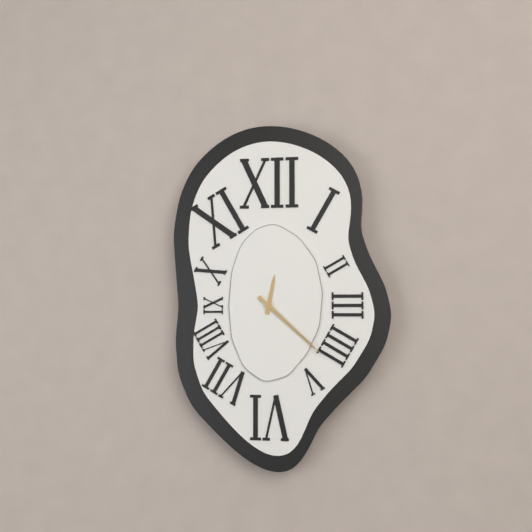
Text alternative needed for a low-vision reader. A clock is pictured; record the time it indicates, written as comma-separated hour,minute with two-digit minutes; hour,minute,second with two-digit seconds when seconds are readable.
12,22
